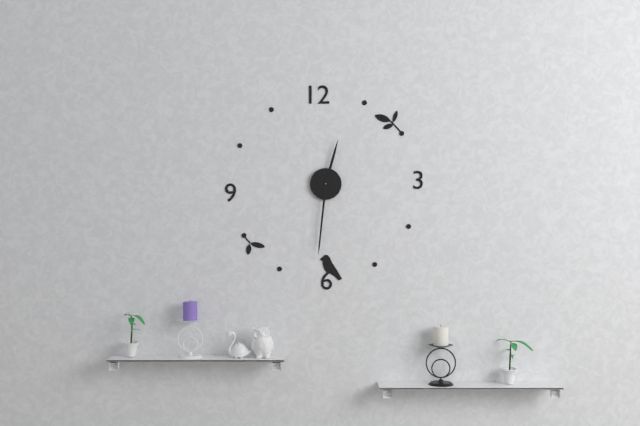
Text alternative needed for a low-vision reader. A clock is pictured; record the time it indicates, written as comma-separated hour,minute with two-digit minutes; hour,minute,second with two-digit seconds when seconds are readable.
12,31
